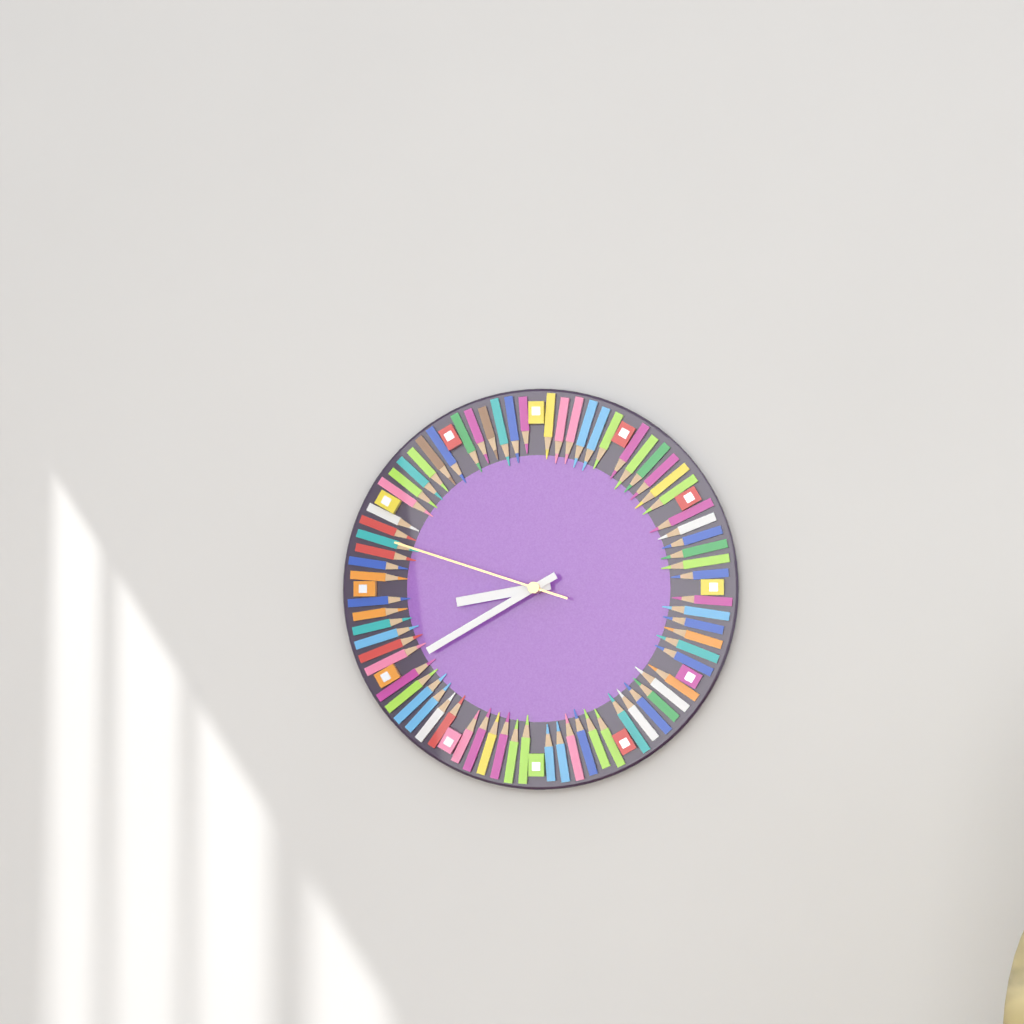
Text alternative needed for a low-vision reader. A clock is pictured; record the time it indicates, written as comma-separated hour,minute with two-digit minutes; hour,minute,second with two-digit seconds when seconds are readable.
8,40,48
